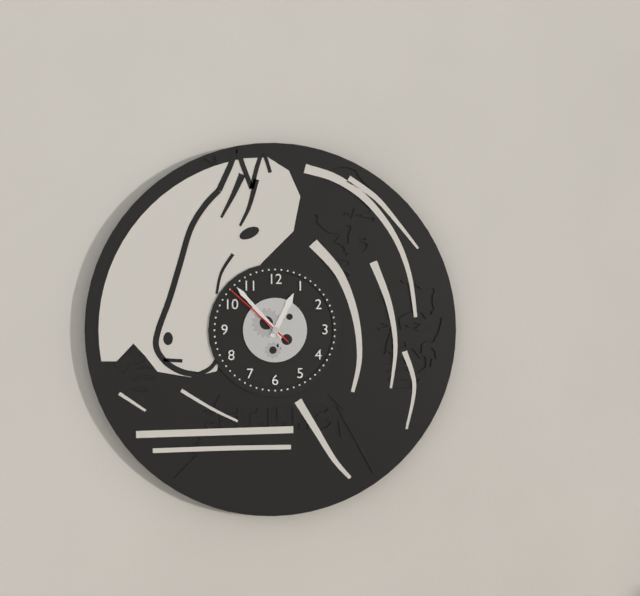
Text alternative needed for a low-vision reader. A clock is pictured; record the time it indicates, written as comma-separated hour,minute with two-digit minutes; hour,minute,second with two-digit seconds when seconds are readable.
12,53,52
